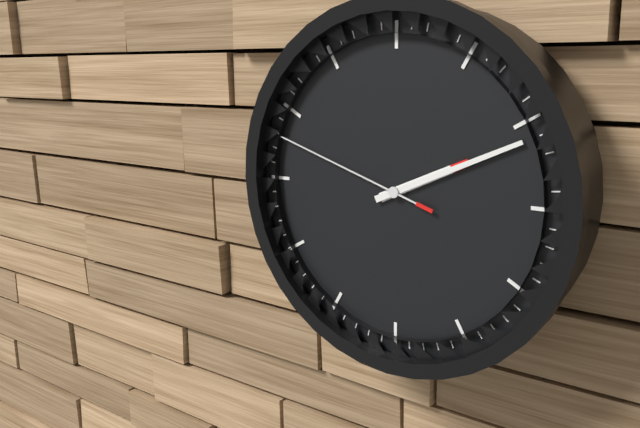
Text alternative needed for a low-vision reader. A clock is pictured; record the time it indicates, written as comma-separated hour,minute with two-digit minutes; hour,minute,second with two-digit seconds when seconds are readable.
2,11,48
